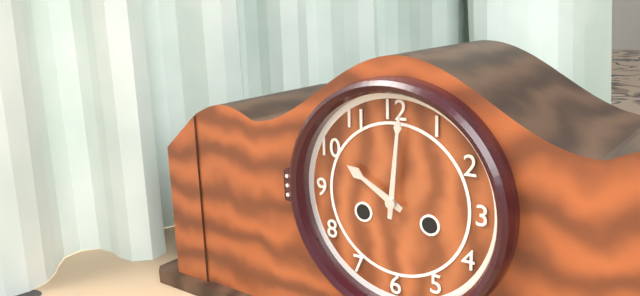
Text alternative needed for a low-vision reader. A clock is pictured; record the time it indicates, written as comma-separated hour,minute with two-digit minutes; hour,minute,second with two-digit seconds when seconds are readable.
10,01
